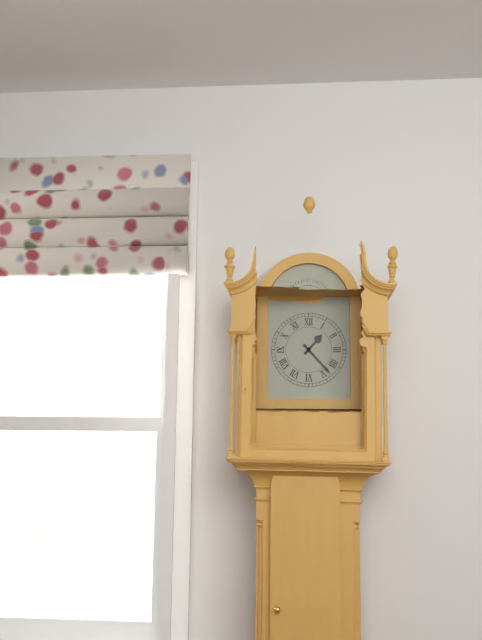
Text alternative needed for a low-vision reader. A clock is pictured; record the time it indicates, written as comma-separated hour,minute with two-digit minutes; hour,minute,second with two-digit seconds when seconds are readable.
1,23
